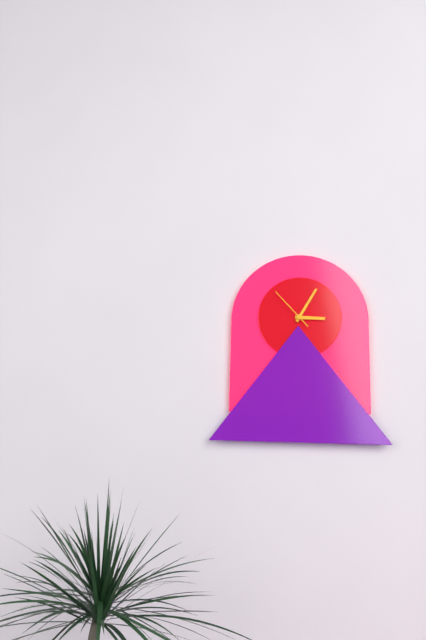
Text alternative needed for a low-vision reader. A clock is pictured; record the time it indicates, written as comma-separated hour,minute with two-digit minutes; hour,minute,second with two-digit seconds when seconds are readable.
3,05
